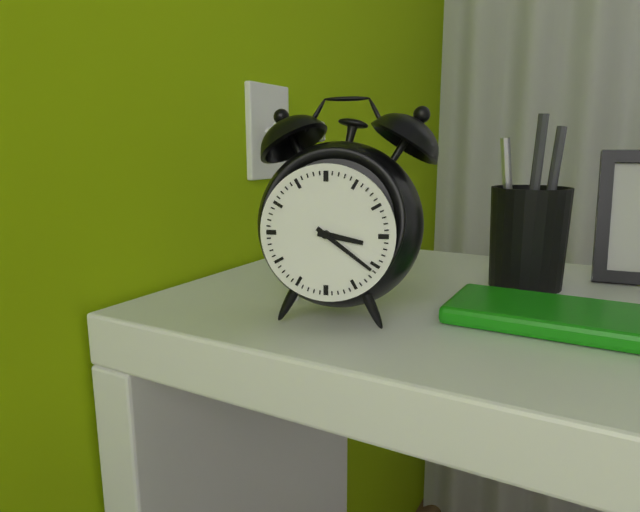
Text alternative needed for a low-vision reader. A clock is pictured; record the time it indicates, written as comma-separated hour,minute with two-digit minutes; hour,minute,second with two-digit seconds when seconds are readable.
3,21
